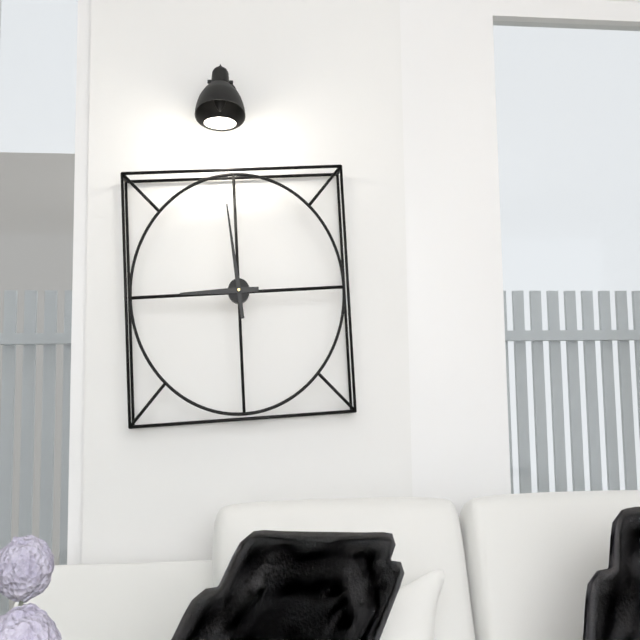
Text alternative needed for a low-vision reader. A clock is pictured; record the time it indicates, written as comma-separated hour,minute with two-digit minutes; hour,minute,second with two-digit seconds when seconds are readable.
8,59
